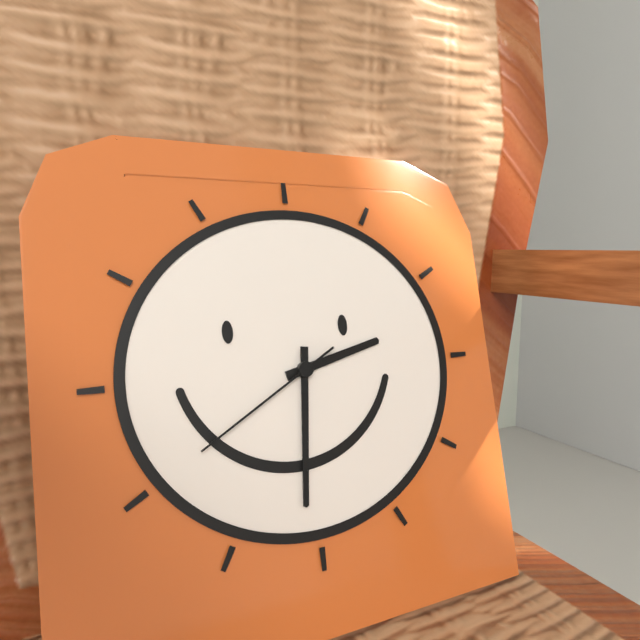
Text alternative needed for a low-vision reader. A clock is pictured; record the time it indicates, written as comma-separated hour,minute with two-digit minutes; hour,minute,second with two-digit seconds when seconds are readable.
2,31,40
